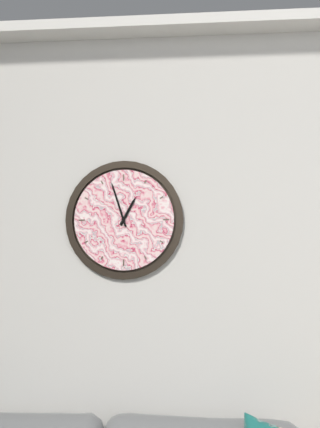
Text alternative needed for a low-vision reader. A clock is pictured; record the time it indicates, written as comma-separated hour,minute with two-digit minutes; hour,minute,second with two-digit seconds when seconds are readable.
12,57
